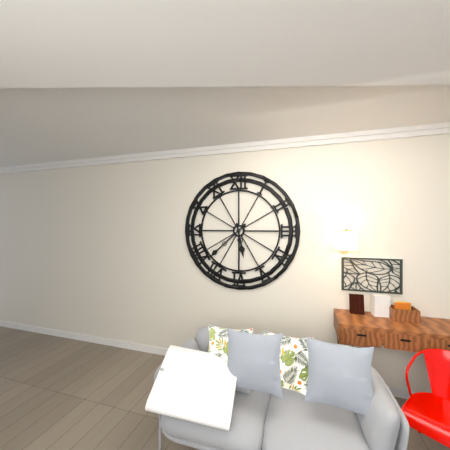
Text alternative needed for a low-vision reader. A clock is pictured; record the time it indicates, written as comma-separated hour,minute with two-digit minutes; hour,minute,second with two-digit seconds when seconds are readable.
5,38
